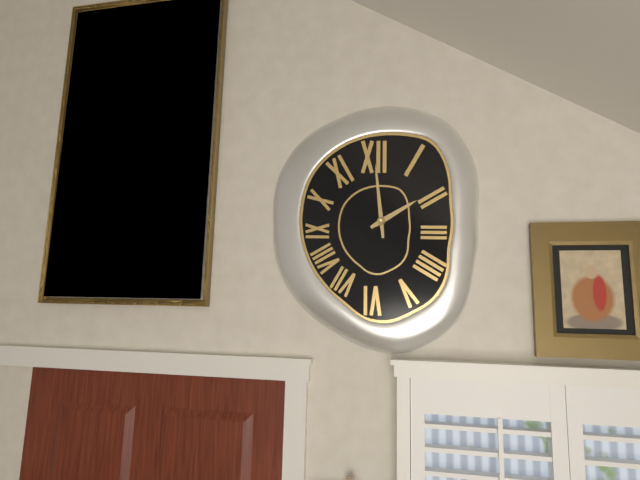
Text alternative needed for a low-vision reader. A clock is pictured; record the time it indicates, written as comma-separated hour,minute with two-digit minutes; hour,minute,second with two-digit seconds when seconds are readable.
1,59
